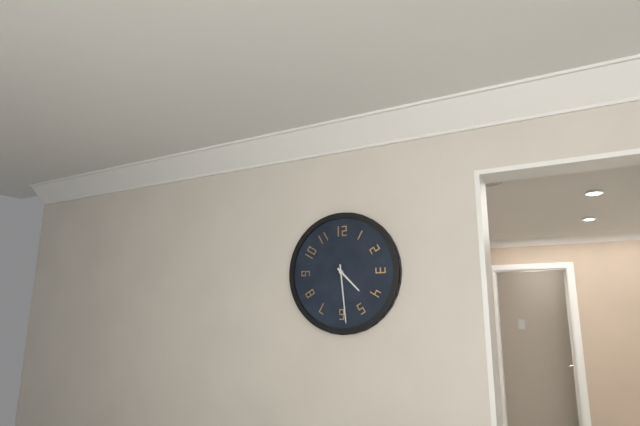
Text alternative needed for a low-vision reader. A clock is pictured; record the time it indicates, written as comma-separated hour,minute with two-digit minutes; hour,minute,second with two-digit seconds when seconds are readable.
4,29
